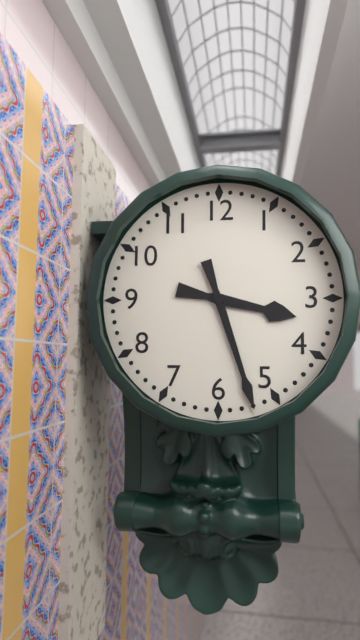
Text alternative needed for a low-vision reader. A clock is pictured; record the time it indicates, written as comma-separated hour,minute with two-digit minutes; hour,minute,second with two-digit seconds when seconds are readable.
3,27
